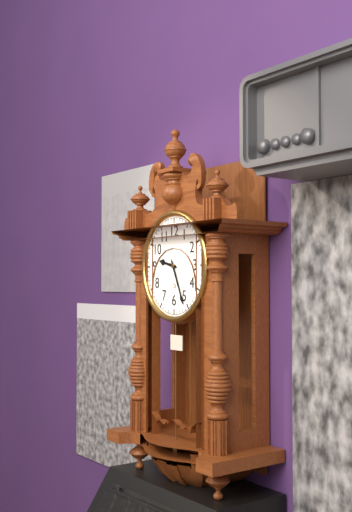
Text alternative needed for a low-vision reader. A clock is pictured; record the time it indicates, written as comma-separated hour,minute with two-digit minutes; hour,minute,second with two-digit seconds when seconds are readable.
9,26
